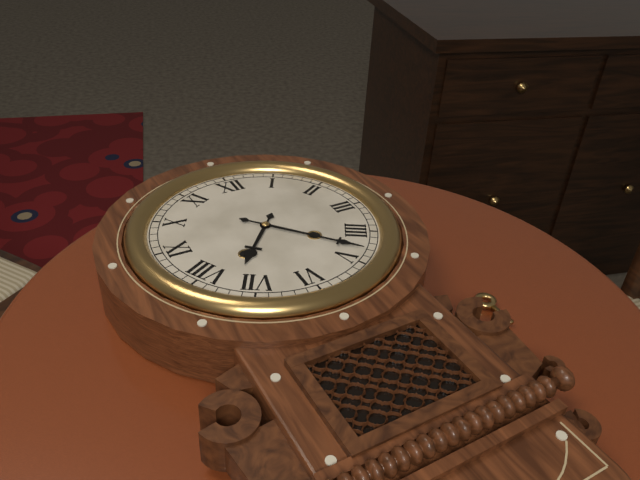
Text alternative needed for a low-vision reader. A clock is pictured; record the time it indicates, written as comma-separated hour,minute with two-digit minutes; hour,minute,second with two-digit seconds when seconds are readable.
7,23
